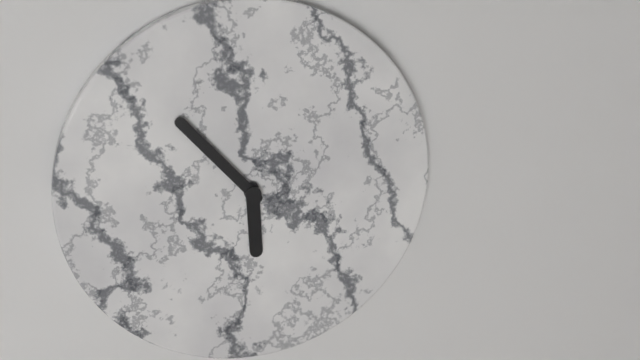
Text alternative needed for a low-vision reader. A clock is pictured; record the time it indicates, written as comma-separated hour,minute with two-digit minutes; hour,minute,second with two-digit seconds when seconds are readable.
5,53
